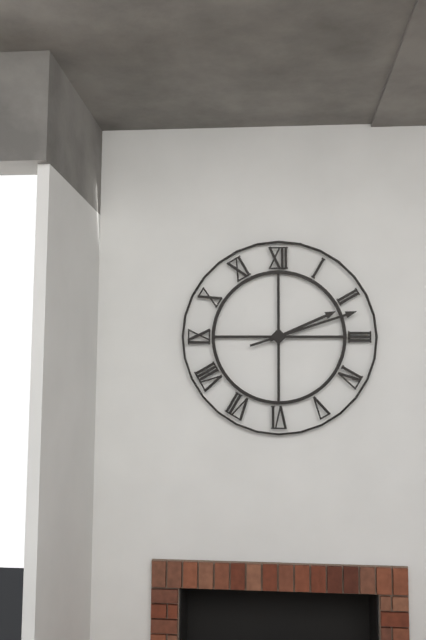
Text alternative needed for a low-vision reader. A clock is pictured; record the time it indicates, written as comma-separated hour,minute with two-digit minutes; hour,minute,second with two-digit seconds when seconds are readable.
2,12
